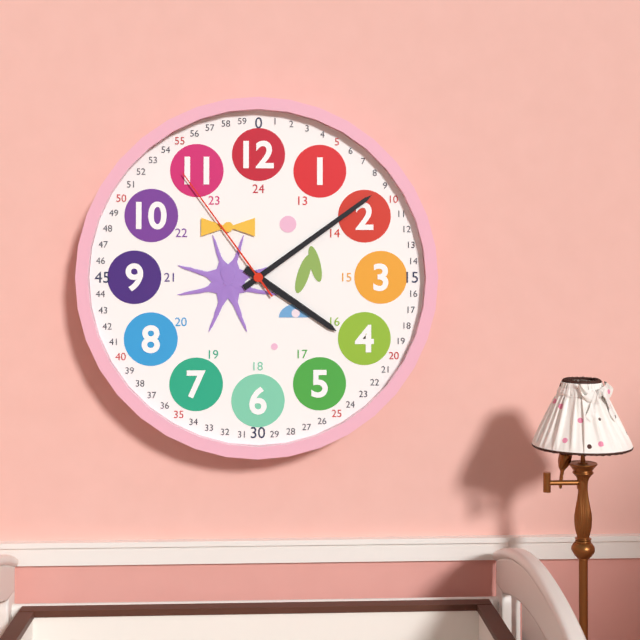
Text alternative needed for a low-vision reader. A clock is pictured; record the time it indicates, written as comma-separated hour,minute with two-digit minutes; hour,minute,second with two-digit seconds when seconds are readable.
4,09,54
